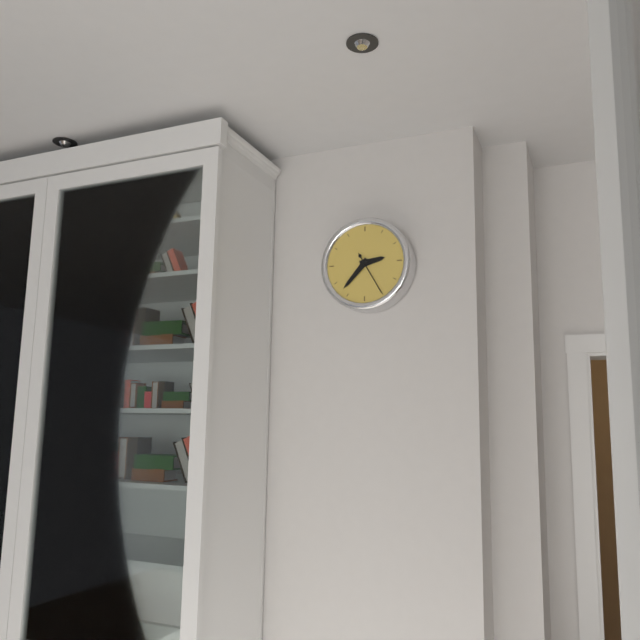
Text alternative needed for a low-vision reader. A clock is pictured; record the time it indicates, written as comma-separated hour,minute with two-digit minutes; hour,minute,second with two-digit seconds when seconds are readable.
2,37
